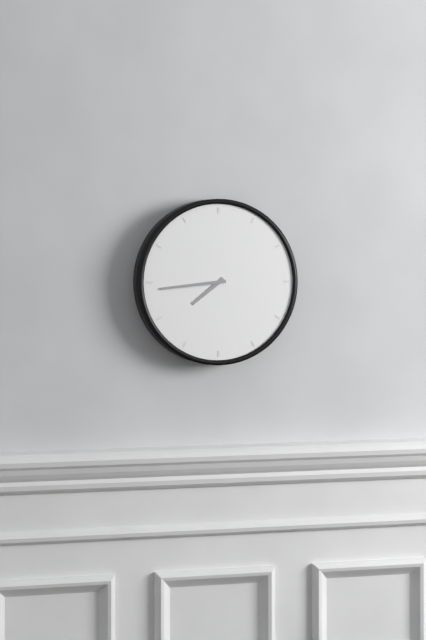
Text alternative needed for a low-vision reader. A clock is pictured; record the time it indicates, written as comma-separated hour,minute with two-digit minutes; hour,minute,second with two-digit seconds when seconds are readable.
7,44
